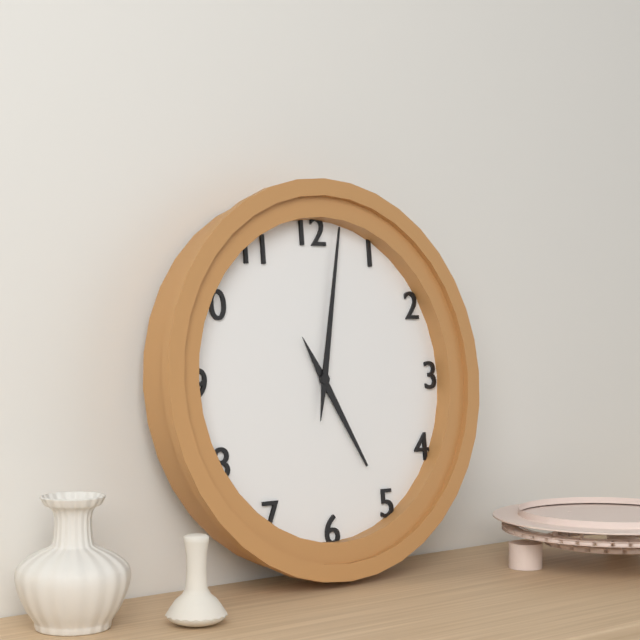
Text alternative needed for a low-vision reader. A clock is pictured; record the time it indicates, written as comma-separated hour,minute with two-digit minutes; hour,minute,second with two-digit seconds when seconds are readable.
5,02
